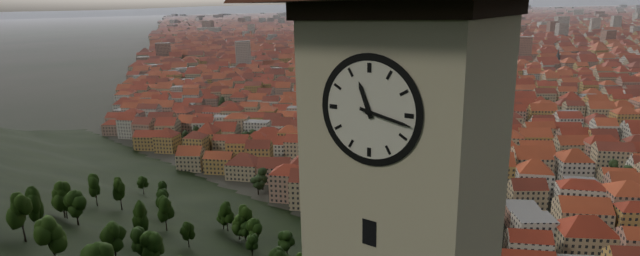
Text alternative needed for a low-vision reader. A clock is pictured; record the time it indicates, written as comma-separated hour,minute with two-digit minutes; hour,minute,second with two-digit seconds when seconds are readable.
11,17
